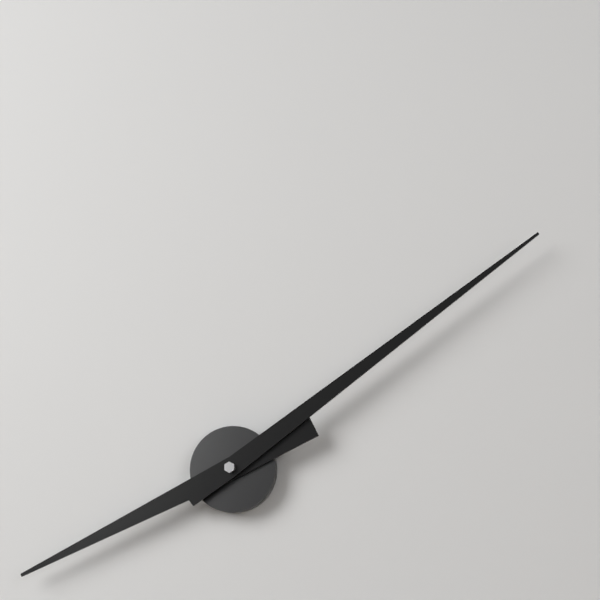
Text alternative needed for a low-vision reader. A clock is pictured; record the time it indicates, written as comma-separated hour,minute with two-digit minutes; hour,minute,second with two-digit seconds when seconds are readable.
8,09
